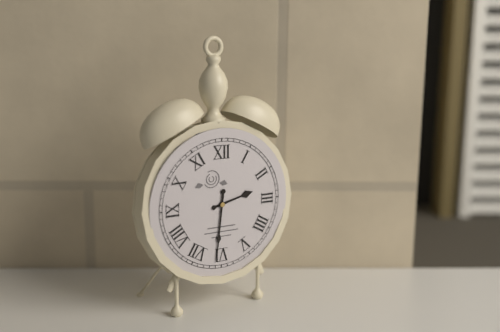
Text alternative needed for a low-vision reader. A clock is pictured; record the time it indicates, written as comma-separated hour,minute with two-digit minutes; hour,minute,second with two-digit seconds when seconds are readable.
2,31
